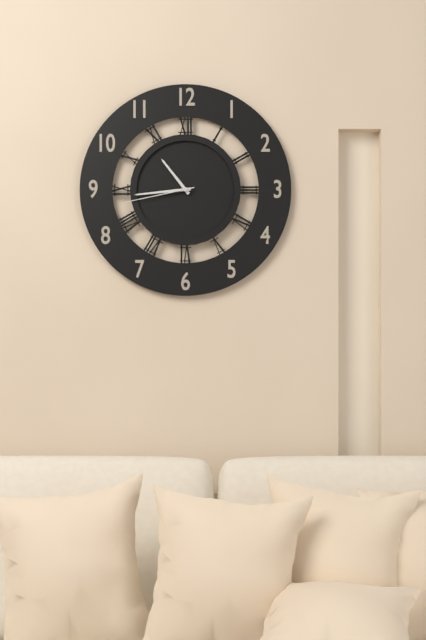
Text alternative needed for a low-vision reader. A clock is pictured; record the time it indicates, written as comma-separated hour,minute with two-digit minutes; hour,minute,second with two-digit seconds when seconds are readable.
10,44,43
